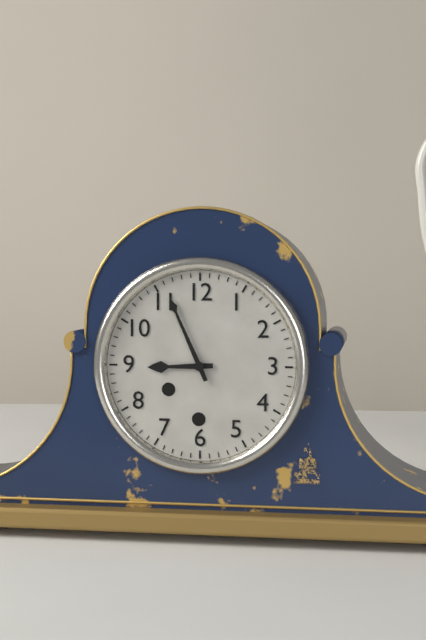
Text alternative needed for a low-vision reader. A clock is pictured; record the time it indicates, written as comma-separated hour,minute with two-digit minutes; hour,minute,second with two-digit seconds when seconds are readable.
8,56
